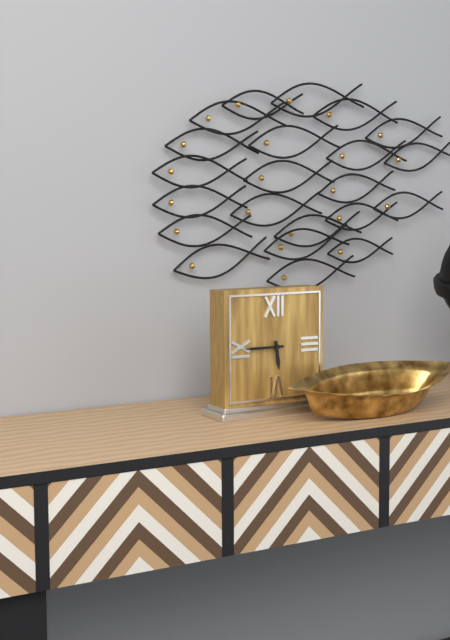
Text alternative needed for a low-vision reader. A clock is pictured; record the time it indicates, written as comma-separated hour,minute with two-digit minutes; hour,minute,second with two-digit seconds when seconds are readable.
5,45
